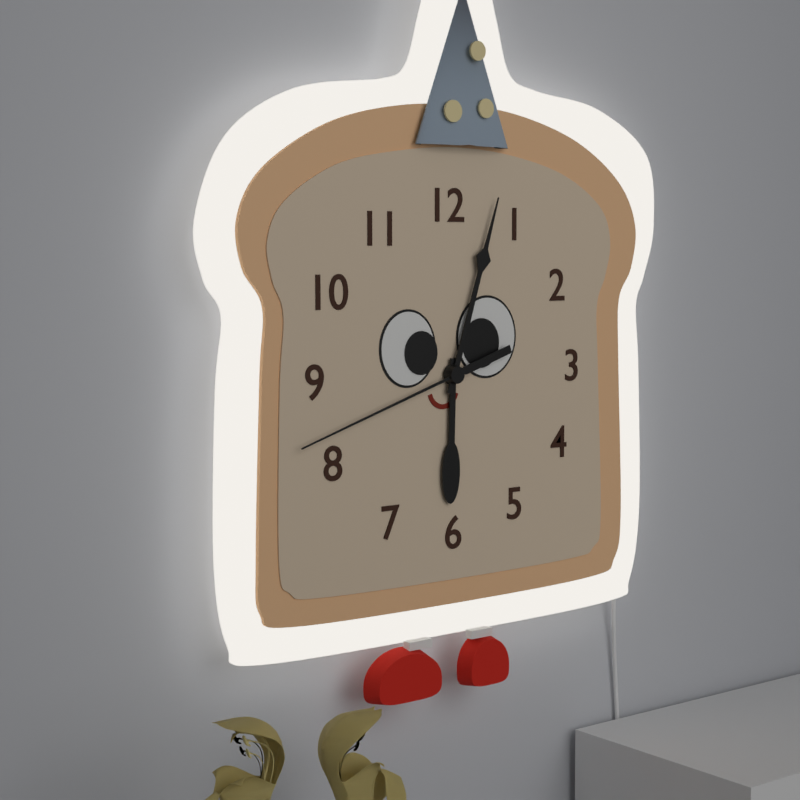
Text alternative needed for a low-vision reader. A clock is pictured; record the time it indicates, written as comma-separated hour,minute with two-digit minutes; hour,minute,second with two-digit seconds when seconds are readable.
6,03,42
